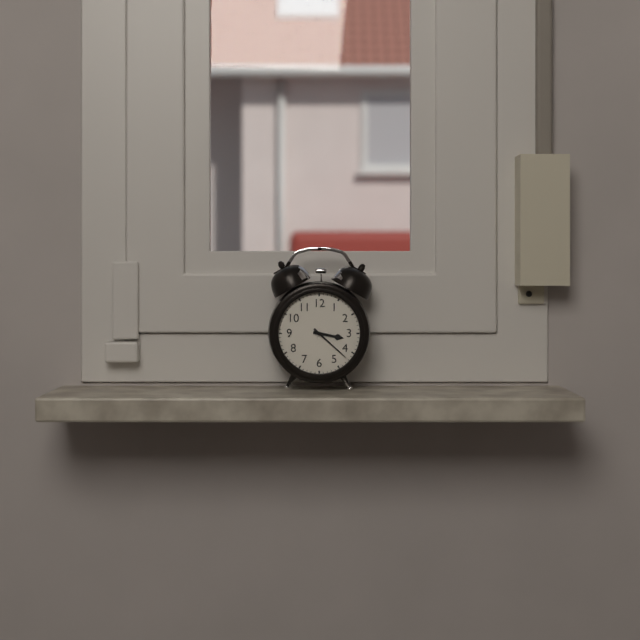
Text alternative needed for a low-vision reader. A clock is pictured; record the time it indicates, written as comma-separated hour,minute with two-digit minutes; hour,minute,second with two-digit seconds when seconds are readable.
3,22
